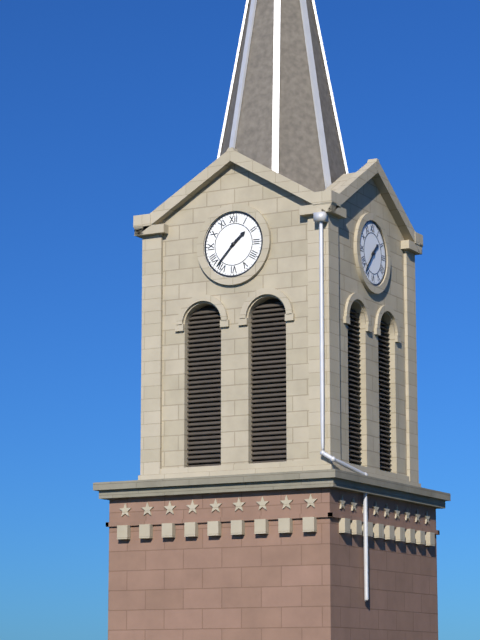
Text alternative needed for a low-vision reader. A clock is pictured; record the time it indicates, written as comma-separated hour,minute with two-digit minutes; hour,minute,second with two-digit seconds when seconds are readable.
1,37
